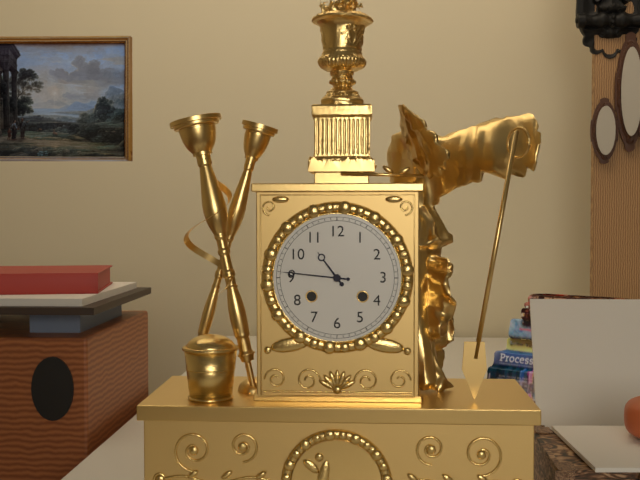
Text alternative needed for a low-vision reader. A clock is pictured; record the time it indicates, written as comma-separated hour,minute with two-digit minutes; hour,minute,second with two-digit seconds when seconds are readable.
10,46
